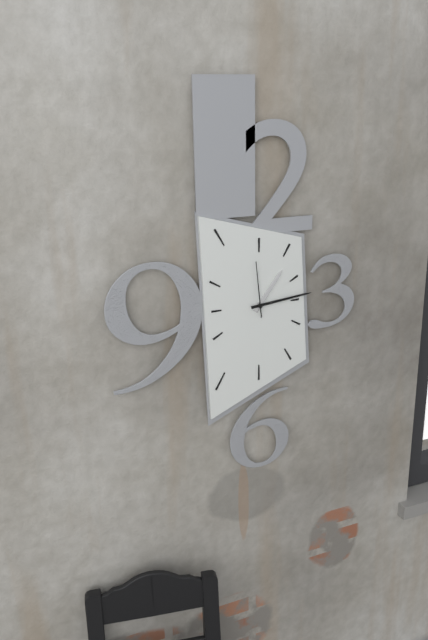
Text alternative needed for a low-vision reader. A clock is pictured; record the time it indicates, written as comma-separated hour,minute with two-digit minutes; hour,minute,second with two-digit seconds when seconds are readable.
1,14,59
